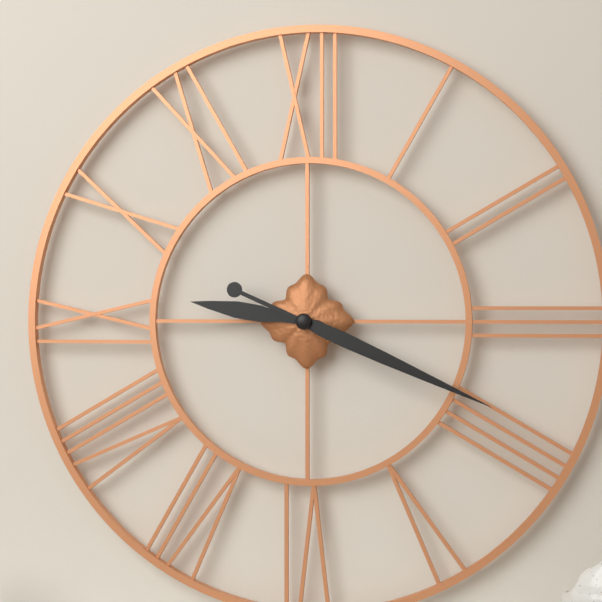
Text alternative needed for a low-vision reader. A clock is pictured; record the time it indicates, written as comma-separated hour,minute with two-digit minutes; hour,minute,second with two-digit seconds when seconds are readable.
9,19
